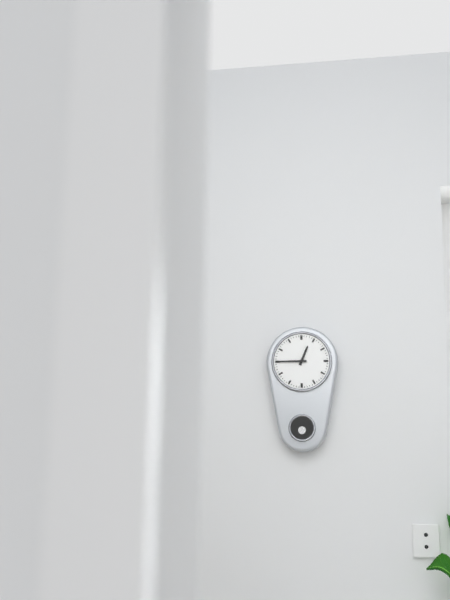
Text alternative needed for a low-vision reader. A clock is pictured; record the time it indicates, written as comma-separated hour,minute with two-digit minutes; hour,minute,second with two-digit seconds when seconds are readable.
12,45
